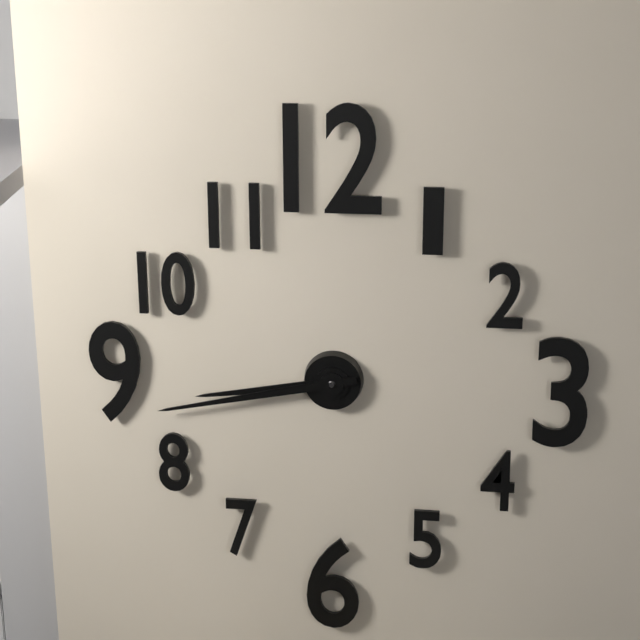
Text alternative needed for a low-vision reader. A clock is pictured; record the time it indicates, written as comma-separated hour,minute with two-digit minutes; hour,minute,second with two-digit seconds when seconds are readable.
8,43
